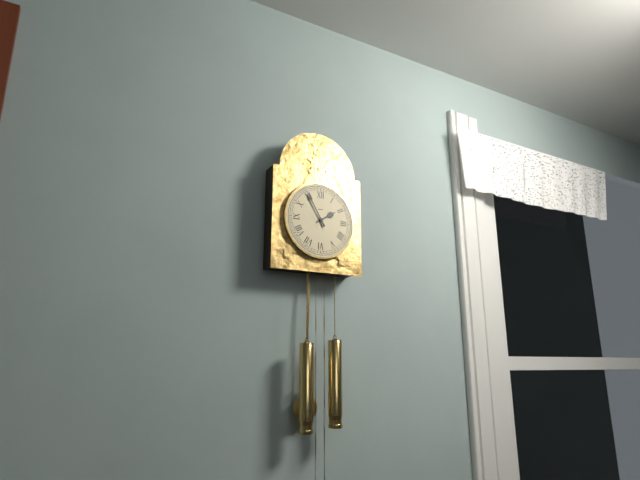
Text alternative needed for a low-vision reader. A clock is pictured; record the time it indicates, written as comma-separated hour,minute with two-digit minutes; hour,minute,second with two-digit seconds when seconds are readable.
1,55
